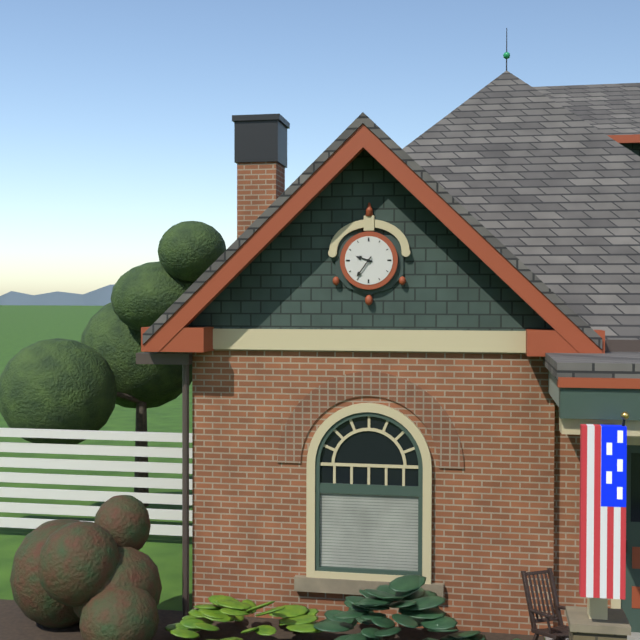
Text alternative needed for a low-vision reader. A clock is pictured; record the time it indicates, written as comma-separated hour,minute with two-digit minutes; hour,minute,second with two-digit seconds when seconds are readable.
9,36
